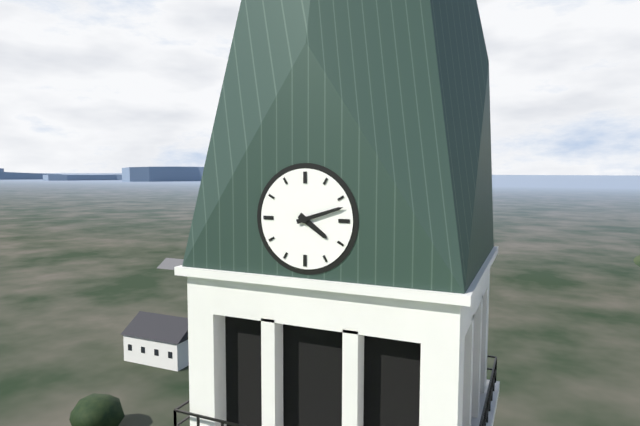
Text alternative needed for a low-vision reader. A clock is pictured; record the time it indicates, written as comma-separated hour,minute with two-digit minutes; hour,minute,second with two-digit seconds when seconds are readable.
4,12
